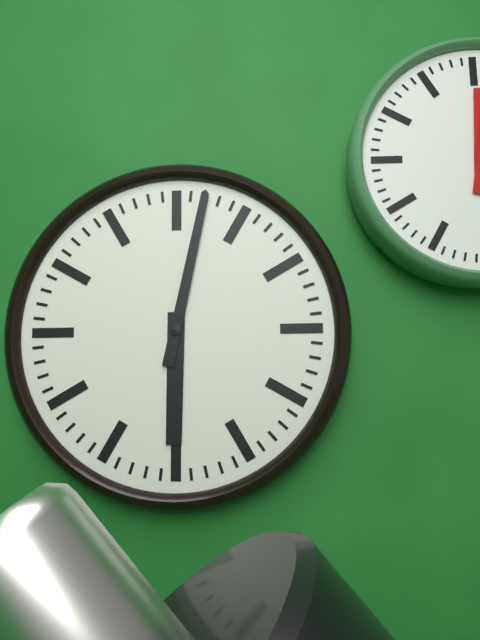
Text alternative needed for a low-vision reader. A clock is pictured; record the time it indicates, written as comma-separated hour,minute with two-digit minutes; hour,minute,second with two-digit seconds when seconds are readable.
6,02
